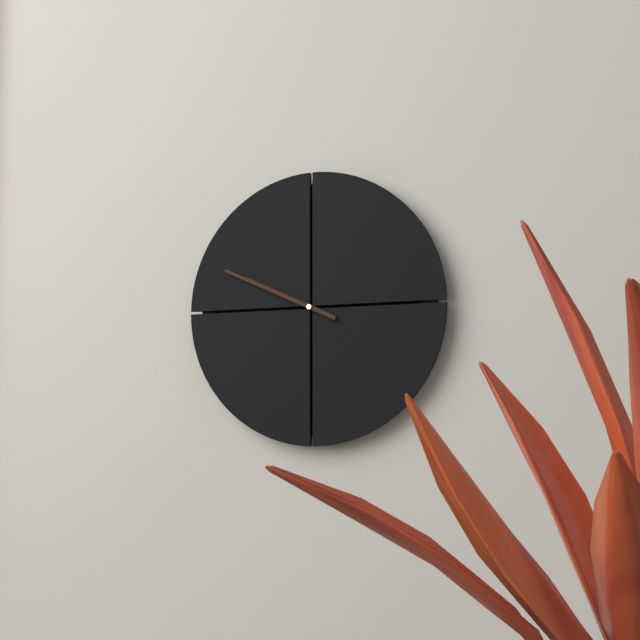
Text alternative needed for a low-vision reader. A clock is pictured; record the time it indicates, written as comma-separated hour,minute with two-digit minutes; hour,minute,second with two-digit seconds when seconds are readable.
9,49
